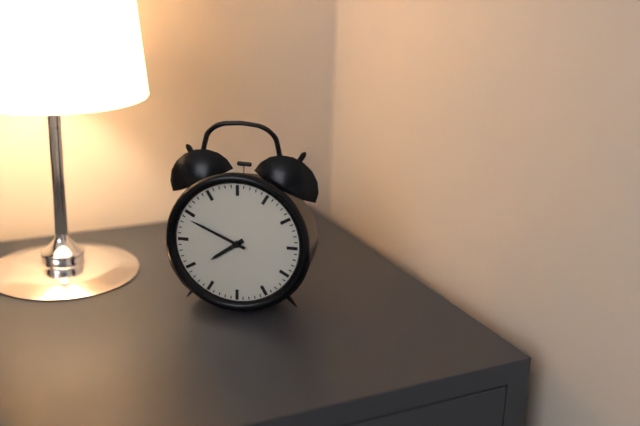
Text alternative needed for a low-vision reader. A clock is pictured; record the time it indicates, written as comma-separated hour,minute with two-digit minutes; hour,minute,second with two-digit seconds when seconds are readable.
7,49
